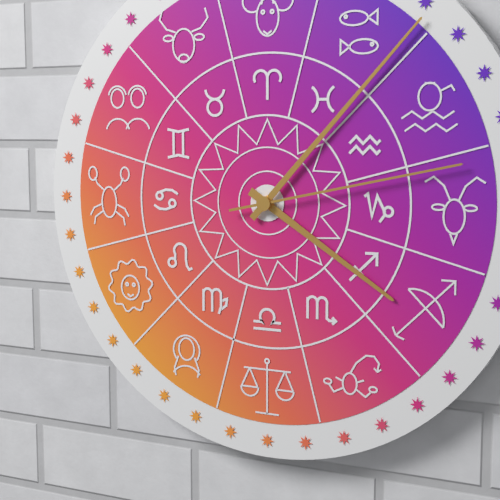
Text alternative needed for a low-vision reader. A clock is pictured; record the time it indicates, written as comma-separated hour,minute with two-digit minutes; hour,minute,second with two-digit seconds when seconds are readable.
4,07,13
